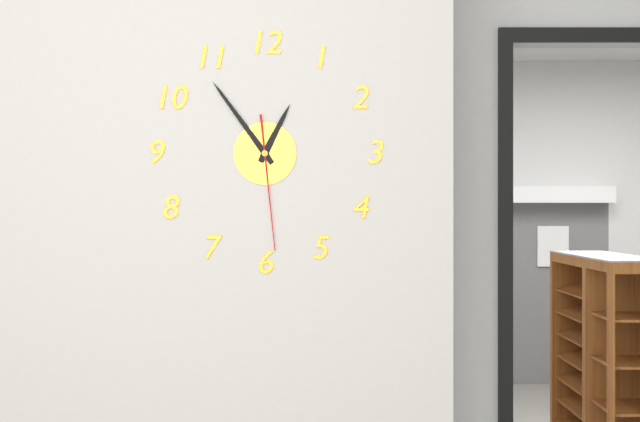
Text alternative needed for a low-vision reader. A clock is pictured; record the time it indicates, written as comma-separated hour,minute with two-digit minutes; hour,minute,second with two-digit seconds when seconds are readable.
12,54,29
